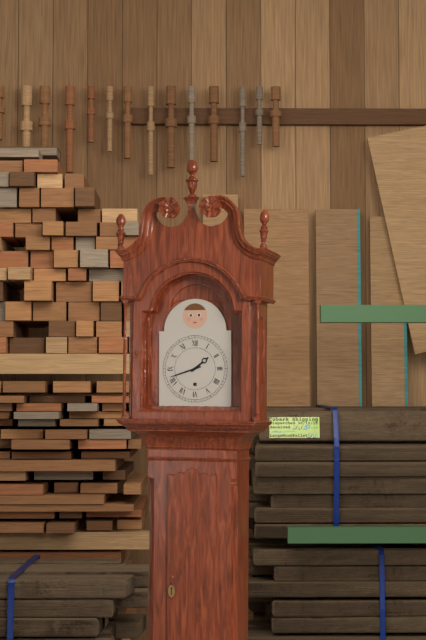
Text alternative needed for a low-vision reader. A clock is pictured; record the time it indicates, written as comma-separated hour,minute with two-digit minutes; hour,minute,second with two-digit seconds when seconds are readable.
1,42
